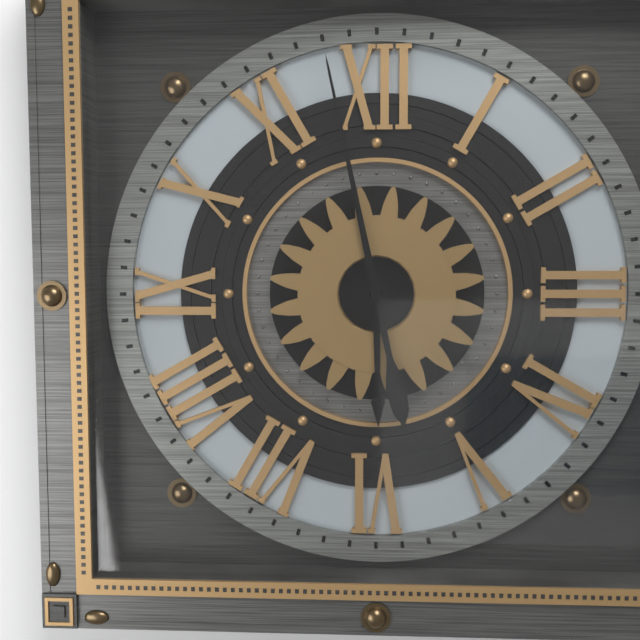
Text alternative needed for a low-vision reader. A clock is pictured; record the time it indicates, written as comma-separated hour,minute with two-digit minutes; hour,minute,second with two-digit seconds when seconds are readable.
5,58
